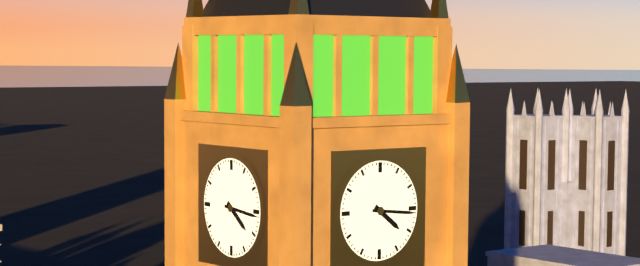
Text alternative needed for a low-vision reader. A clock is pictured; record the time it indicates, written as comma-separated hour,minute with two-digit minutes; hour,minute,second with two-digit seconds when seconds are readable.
4,16
